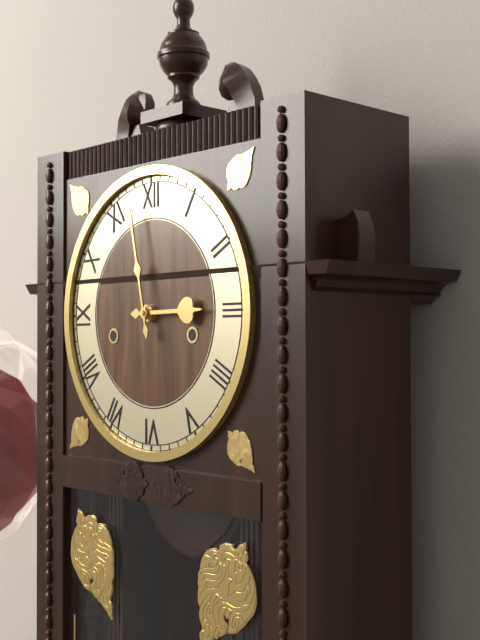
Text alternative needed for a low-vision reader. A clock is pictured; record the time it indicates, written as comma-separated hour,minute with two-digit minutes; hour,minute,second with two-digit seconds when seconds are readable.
2,58
